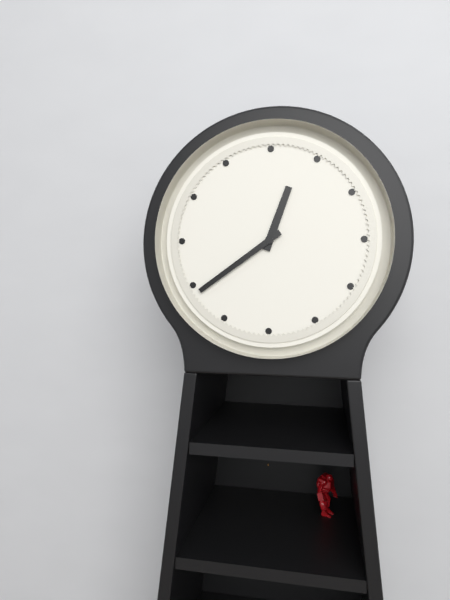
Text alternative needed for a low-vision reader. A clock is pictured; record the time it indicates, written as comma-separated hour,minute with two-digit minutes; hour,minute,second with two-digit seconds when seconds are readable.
12,39
